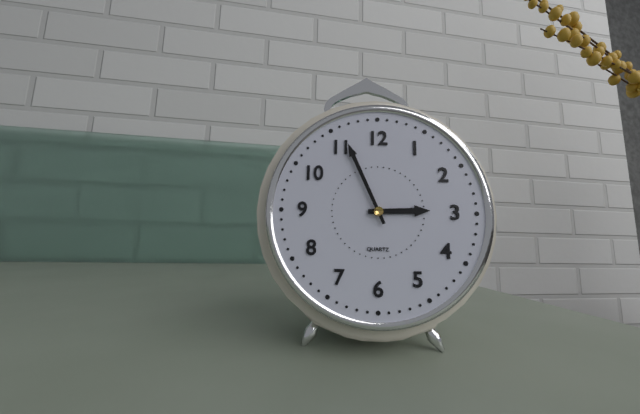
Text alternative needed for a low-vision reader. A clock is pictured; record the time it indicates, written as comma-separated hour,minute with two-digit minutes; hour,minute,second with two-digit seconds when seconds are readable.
2,56
